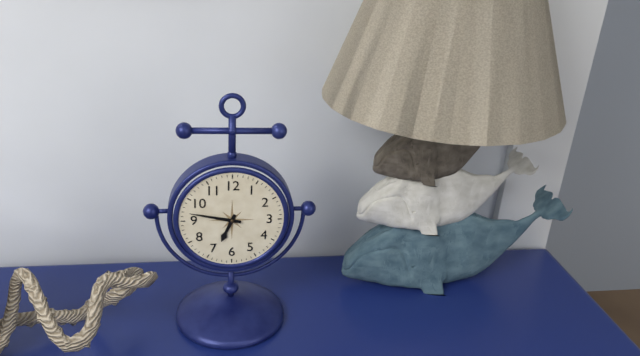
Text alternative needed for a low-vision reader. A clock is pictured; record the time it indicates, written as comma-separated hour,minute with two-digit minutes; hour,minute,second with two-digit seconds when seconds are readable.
6,47
